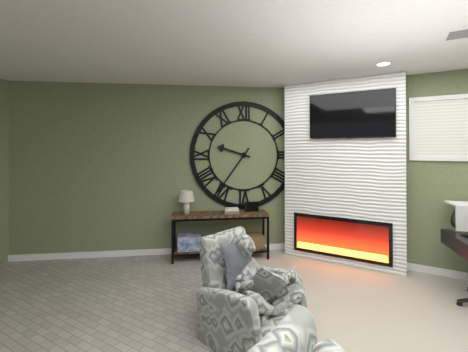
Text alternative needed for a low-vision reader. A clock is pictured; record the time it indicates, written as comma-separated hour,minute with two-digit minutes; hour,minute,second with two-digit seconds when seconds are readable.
9,36
